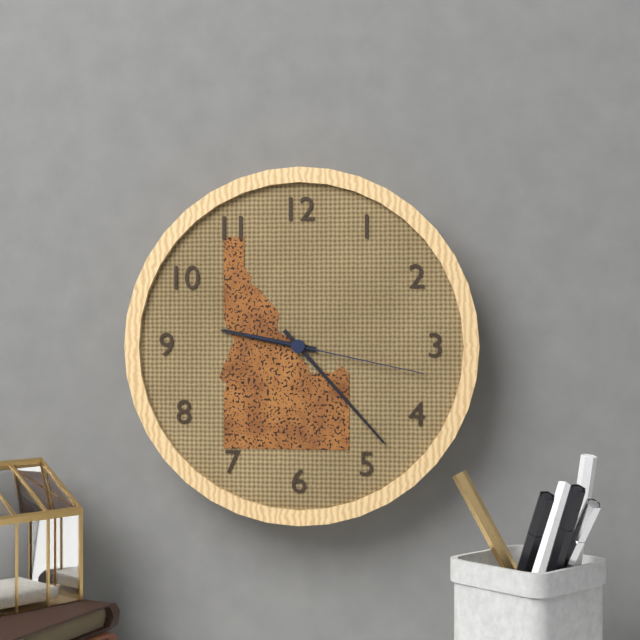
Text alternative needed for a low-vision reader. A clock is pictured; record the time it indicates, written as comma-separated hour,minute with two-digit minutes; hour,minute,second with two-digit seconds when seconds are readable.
9,23,17
